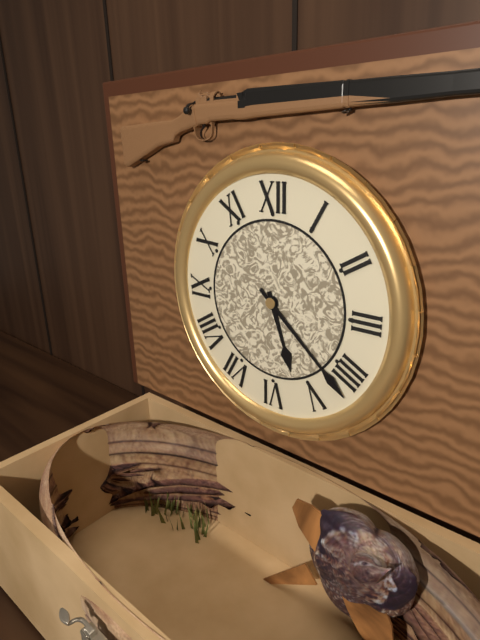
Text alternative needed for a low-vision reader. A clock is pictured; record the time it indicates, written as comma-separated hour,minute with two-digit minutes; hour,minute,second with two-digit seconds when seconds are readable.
5,22
